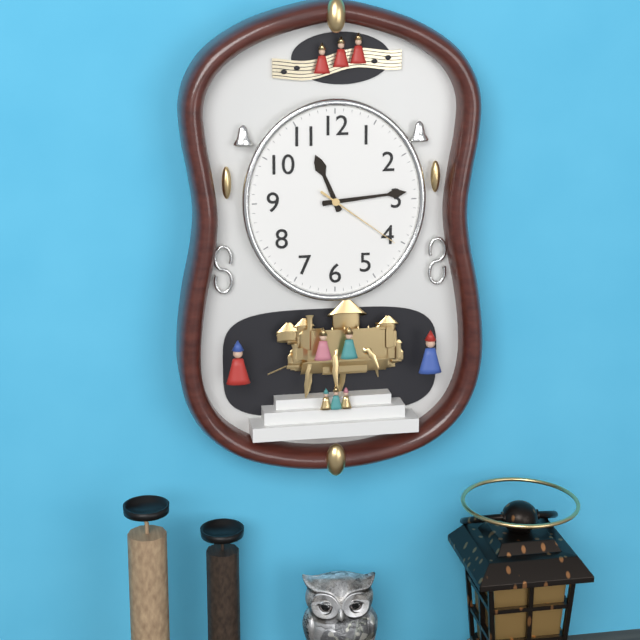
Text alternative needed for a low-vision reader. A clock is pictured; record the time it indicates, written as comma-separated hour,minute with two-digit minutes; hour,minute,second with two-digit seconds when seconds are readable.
11,14,21
